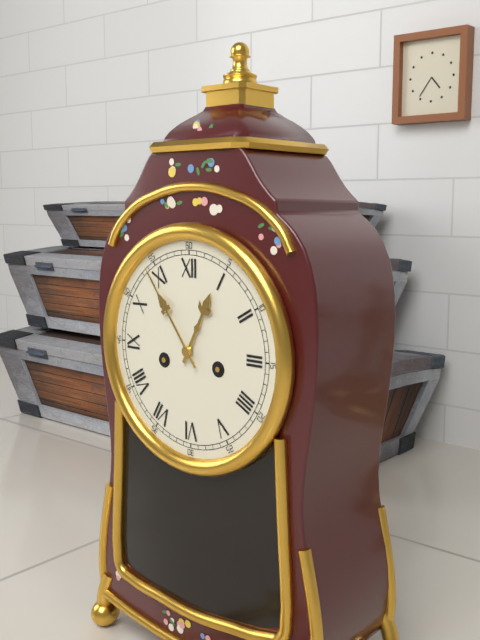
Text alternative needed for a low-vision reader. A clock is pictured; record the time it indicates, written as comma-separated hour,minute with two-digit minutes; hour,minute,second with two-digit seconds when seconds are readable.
12,54
